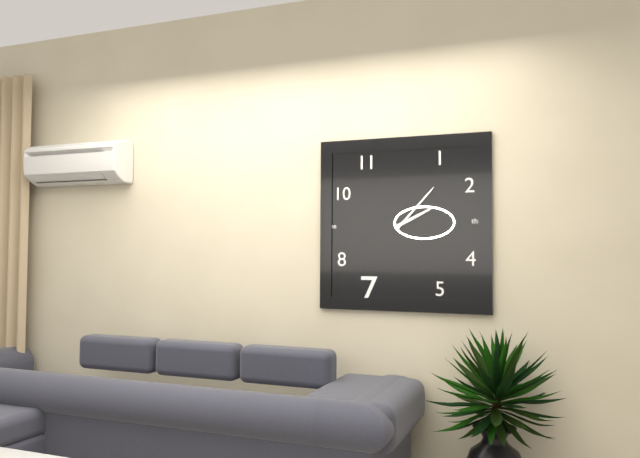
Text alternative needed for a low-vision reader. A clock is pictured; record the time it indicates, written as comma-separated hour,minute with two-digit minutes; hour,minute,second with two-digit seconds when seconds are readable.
2,07
